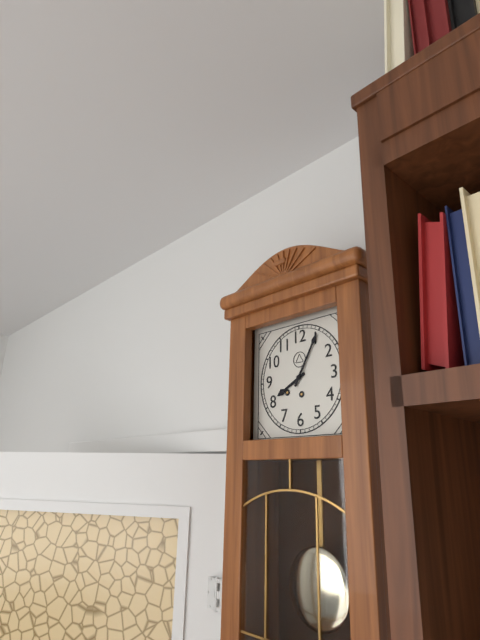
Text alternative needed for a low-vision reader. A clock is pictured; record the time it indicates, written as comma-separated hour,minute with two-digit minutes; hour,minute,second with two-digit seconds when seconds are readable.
8,05
